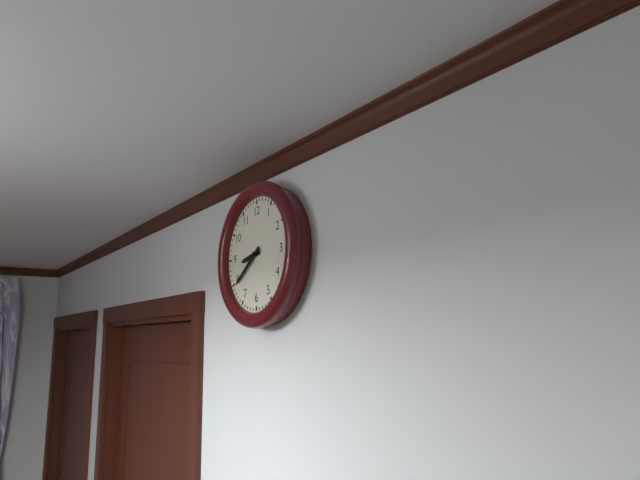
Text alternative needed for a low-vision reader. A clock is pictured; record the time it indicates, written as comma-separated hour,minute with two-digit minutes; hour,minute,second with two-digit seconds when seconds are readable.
8,39
